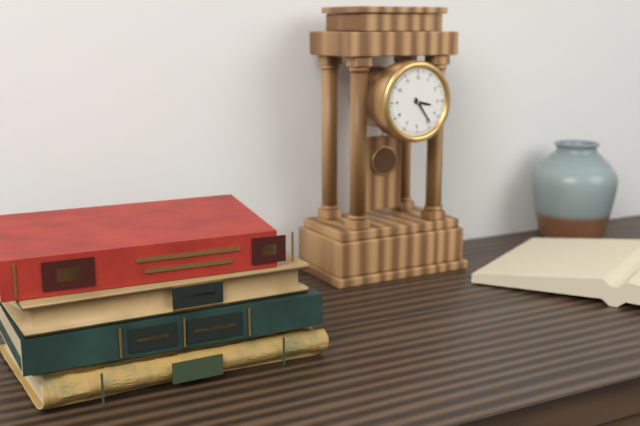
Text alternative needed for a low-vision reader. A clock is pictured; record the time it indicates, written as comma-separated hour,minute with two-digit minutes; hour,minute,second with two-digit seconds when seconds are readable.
3,24
